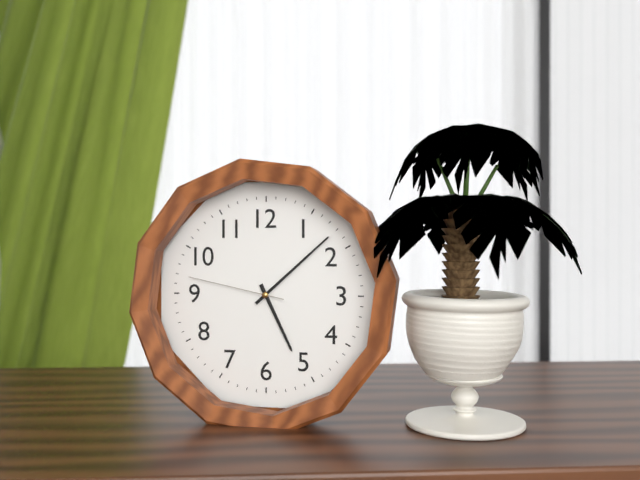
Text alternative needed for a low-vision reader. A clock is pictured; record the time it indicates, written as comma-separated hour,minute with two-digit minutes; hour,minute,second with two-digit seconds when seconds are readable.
5,08,47
